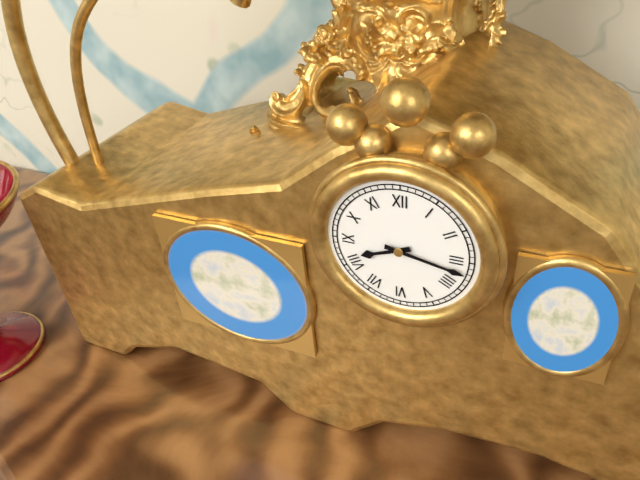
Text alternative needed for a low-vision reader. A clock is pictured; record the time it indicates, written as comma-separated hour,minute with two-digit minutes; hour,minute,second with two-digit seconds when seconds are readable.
8,17
